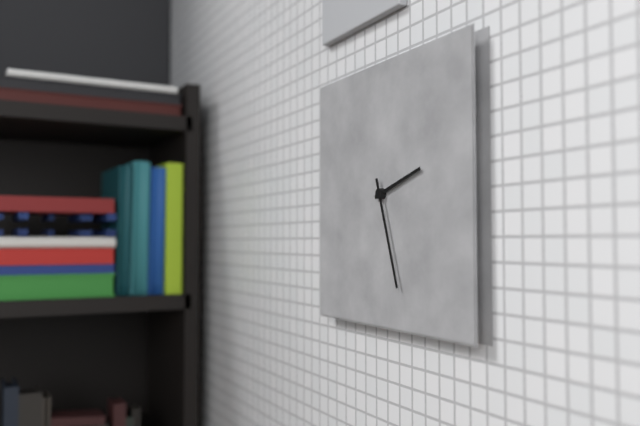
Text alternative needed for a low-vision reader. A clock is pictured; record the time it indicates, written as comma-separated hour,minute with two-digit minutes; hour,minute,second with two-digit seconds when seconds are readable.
2,27
